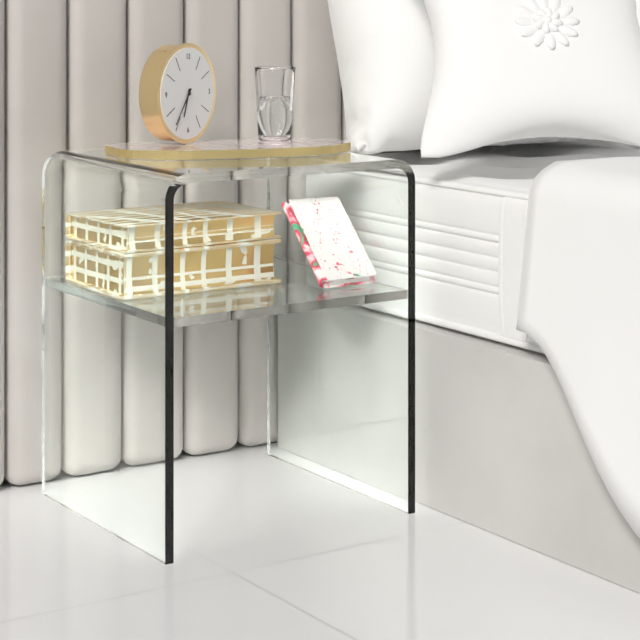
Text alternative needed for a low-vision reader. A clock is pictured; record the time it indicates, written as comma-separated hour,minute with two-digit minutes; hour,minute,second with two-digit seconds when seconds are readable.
6,36
